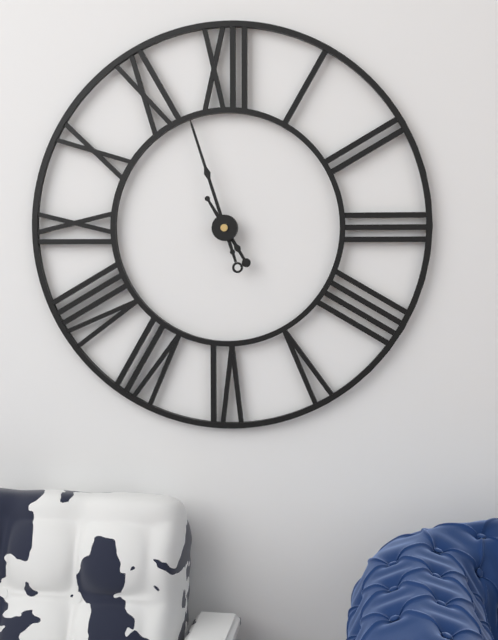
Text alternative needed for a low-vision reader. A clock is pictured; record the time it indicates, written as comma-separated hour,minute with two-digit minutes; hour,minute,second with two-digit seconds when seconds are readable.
4,57
